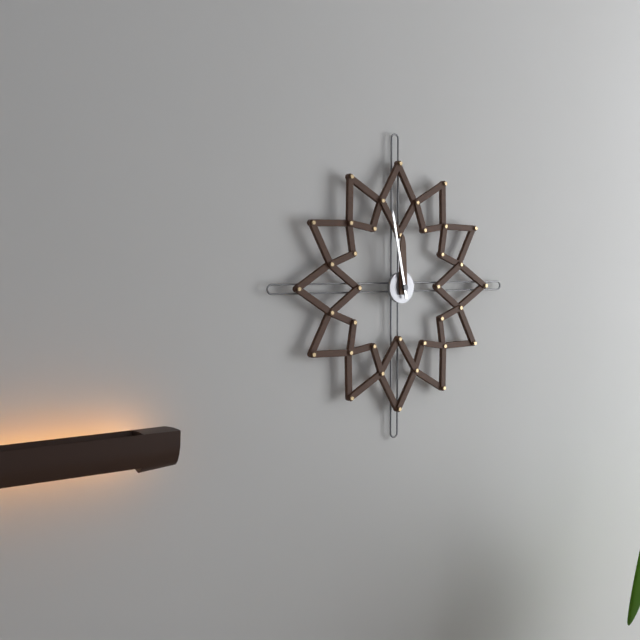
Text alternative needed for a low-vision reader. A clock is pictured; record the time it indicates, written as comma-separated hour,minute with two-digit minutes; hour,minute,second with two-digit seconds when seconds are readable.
11,58
